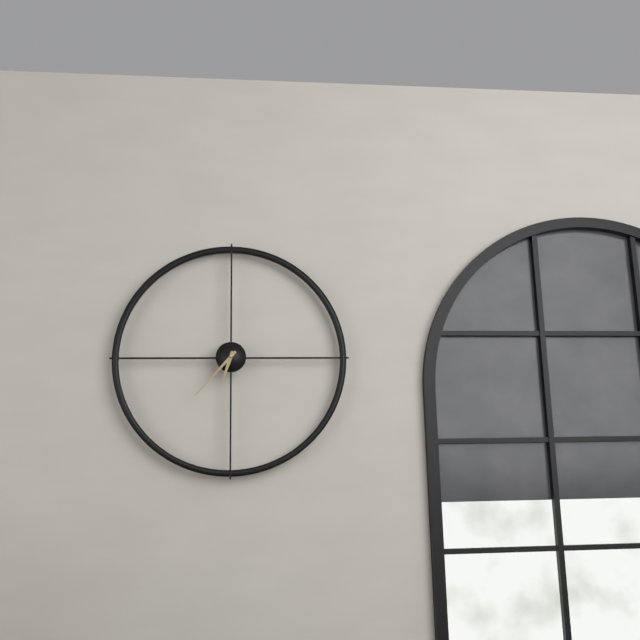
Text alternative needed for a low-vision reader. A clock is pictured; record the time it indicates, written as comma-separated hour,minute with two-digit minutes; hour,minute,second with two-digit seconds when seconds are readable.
6,37
